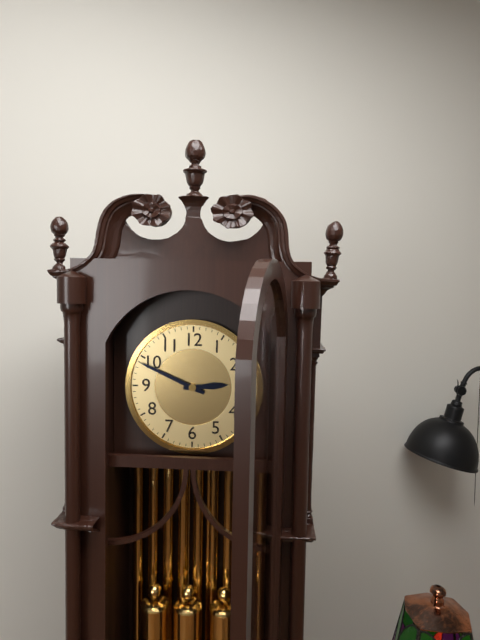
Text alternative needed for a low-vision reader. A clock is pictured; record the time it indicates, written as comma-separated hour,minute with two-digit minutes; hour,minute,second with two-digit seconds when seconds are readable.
2,49
